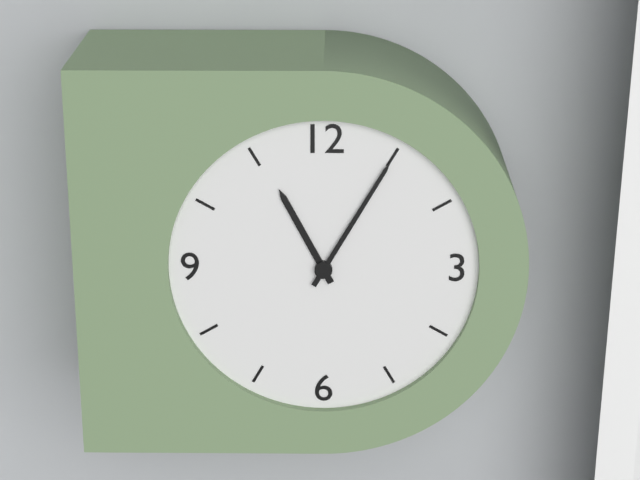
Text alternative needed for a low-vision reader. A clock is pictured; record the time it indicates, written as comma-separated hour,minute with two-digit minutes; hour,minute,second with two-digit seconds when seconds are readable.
11,05
